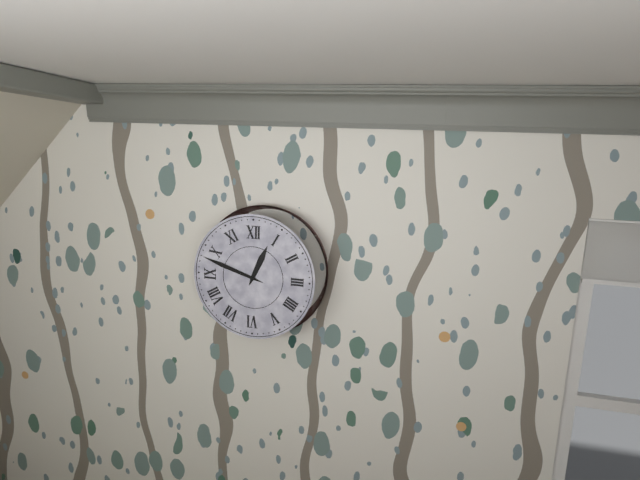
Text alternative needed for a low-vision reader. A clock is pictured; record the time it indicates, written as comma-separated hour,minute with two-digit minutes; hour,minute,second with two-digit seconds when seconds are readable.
12,48
